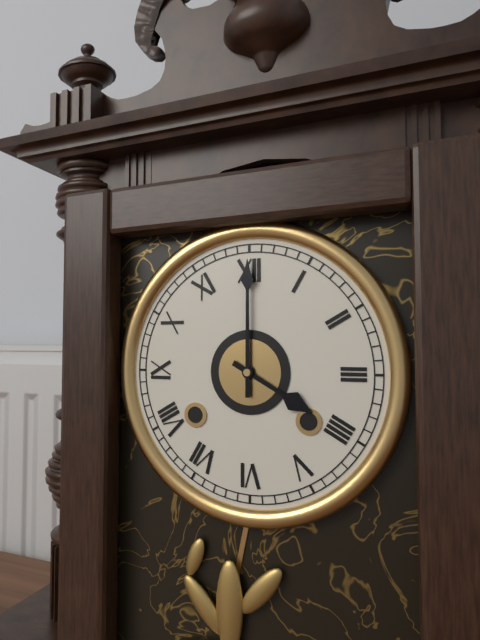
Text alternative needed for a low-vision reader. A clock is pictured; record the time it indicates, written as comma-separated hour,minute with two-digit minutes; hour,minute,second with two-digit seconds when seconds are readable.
4,00
